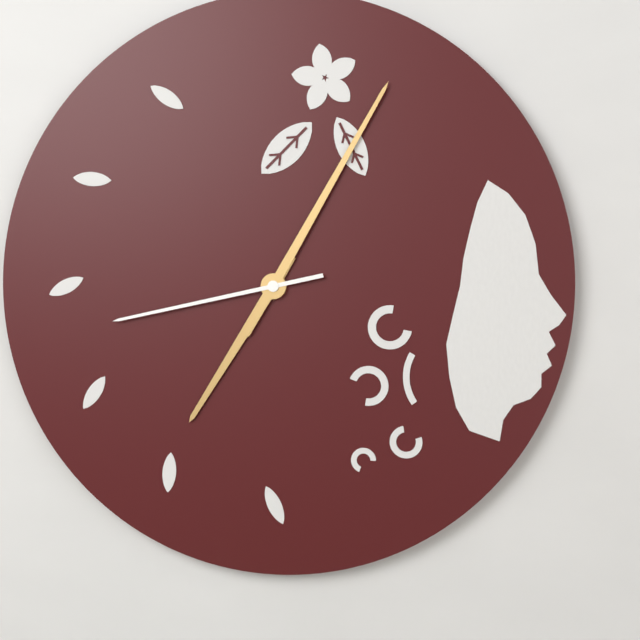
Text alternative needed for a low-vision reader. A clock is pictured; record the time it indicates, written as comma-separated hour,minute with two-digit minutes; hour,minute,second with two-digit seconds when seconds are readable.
7,05,43
